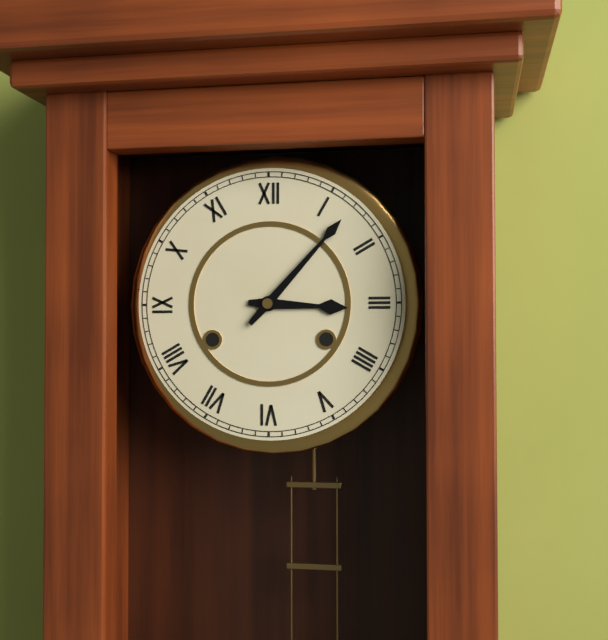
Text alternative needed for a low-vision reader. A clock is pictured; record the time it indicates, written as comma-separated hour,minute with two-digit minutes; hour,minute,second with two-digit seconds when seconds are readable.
3,07
